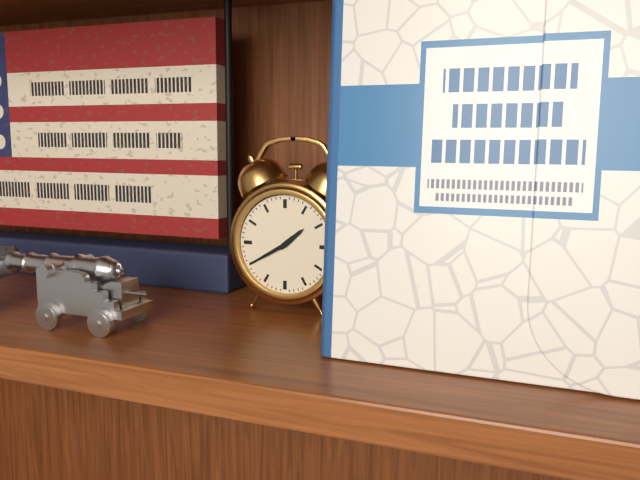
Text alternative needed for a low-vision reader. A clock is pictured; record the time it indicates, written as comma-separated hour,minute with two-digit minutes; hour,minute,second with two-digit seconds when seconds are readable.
1,40
